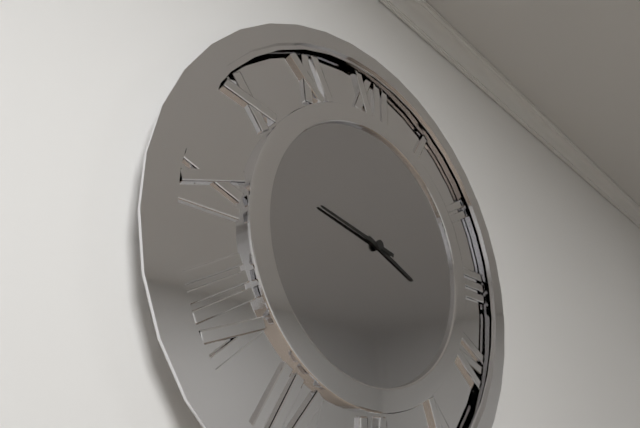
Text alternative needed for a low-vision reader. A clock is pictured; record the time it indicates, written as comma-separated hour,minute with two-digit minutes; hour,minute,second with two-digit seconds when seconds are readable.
3,47
